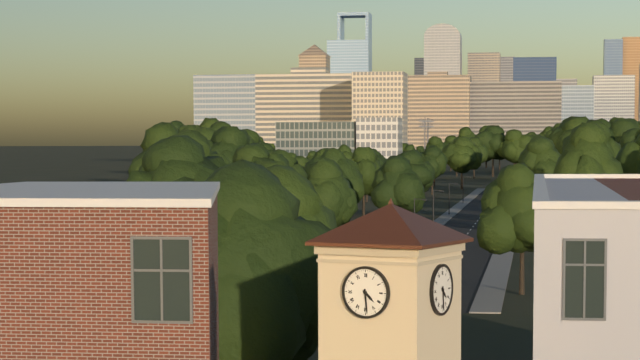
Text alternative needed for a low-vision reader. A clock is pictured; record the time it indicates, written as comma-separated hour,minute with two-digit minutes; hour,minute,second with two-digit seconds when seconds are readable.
4,29
